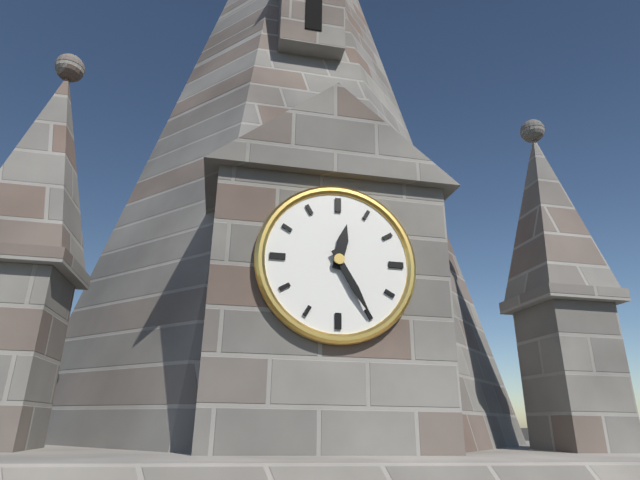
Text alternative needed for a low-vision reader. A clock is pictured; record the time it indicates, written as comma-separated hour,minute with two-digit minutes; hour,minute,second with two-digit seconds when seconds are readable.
12,25
